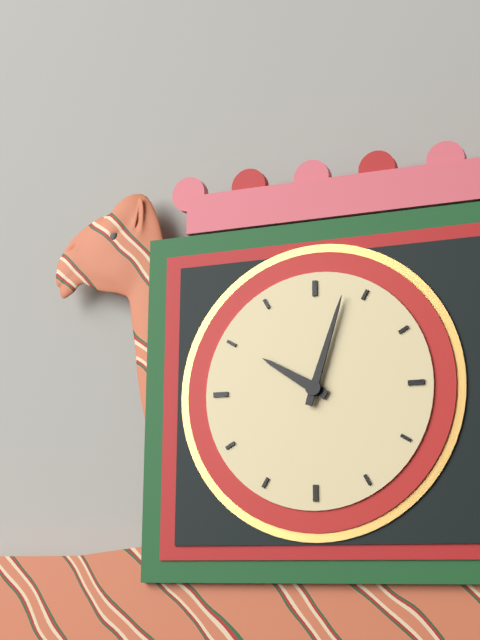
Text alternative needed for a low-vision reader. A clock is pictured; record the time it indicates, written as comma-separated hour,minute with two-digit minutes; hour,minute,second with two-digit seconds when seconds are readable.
10,03
